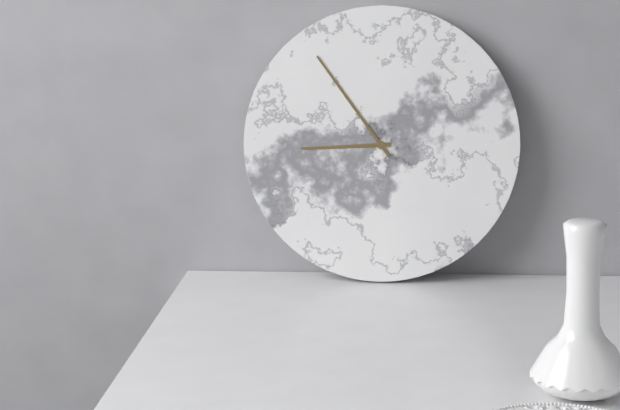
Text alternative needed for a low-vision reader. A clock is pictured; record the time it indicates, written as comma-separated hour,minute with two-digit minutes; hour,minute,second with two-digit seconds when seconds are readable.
8,54
